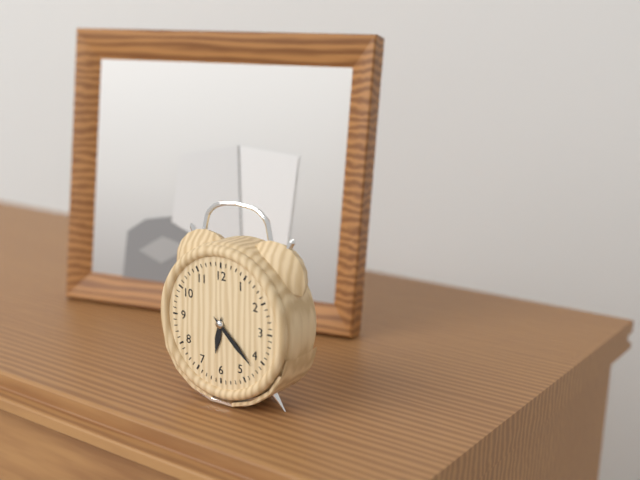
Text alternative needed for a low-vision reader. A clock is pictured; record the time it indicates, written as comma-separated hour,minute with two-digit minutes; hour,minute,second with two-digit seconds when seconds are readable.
6,22
